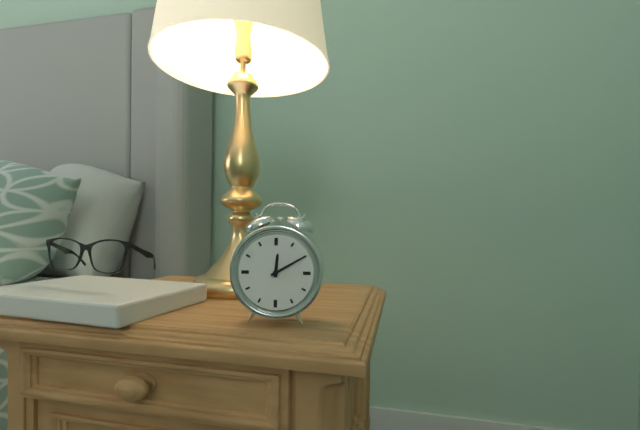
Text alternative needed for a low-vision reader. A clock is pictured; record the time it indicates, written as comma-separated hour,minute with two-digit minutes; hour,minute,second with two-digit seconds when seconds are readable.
12,10
